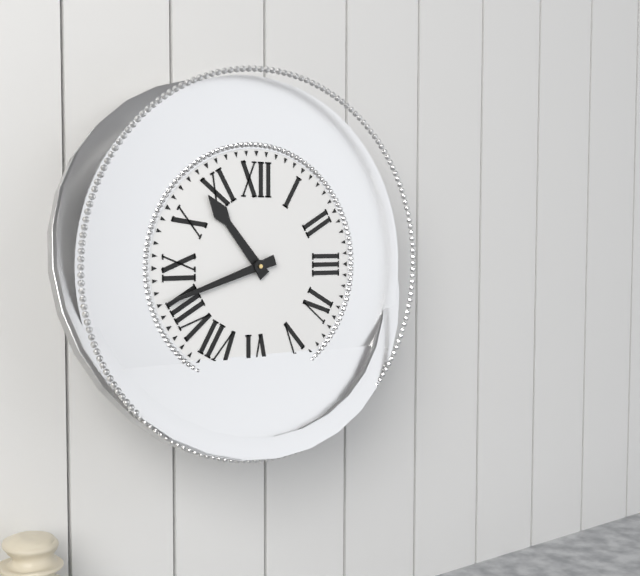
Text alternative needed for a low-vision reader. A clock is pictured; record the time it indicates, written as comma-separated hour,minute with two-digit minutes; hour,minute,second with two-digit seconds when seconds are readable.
10,42
